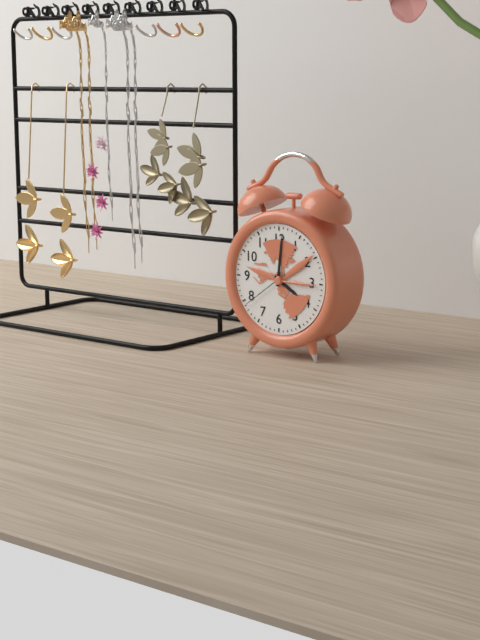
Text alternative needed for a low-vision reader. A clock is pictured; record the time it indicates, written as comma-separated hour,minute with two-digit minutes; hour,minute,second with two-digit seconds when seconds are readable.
4,01
